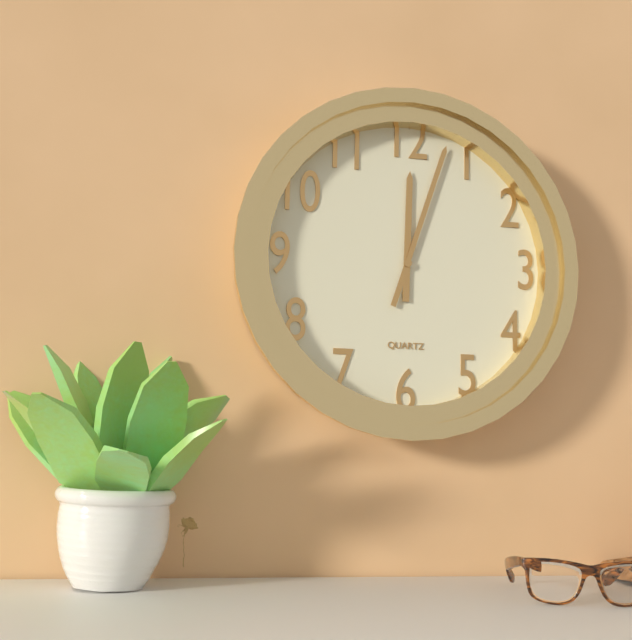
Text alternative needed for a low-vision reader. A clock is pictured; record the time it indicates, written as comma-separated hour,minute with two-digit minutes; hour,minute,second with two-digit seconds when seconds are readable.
12,03
